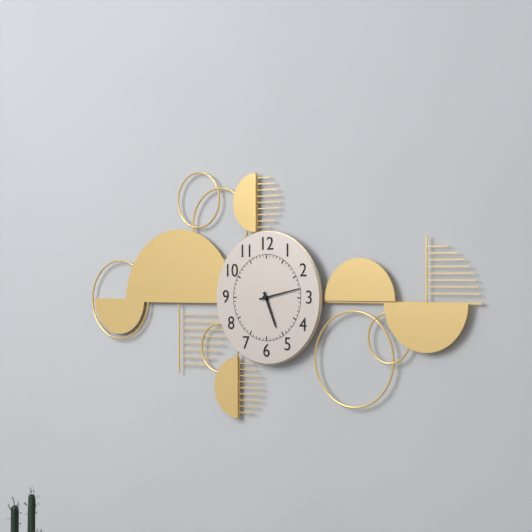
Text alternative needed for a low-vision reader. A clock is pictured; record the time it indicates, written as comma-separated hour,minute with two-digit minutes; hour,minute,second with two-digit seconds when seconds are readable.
5,13
